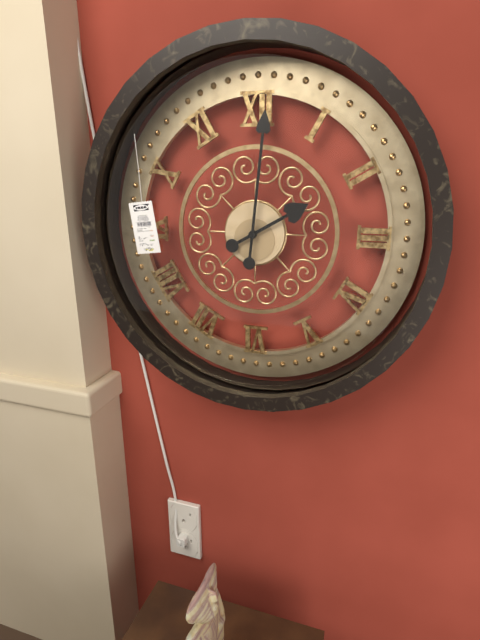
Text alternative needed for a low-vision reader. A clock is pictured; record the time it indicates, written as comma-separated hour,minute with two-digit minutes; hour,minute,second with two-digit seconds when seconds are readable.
2,01
